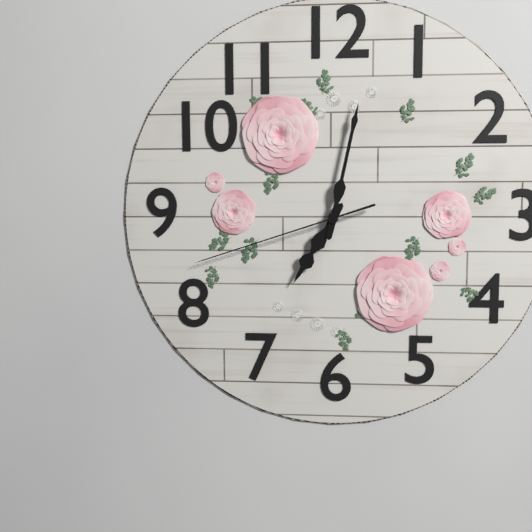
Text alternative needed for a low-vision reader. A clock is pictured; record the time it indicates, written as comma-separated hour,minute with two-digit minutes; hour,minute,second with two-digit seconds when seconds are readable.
7,02,42
